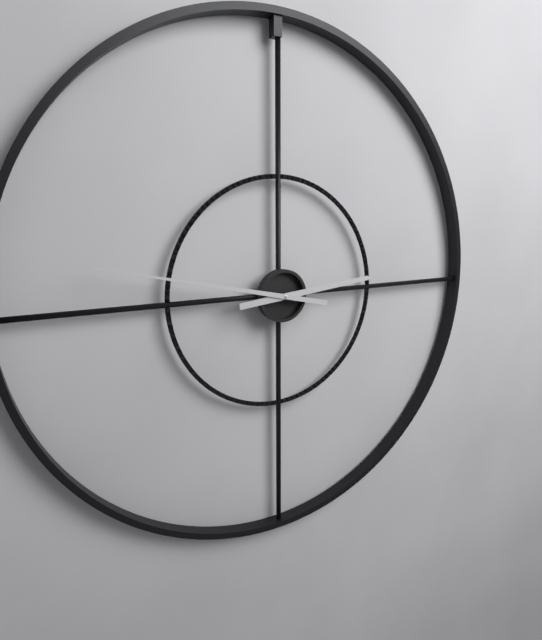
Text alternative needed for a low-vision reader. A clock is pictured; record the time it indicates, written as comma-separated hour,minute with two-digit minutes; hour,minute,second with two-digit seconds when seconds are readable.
2,47
